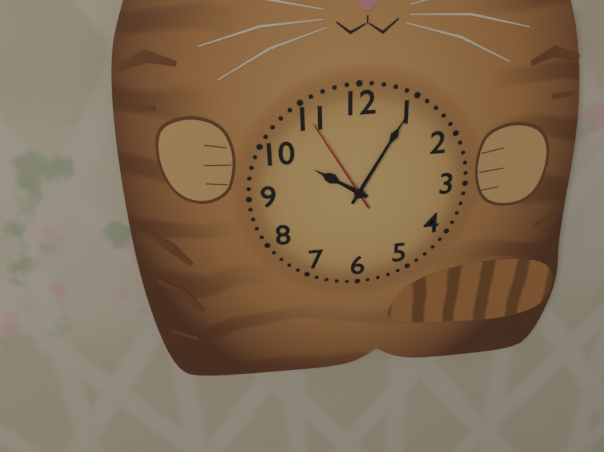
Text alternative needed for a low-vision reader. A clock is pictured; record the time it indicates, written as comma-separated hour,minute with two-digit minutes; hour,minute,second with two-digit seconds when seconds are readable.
10,05,55
